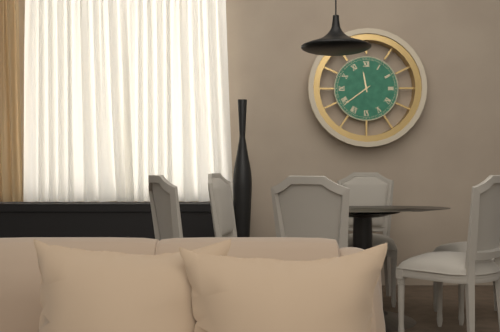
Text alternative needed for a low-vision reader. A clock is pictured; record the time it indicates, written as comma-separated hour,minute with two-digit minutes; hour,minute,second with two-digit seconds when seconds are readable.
11,39
